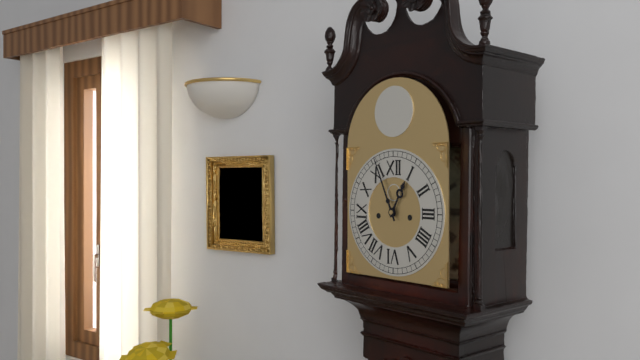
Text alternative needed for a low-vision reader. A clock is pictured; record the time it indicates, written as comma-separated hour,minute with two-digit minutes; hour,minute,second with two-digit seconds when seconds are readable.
12,56
